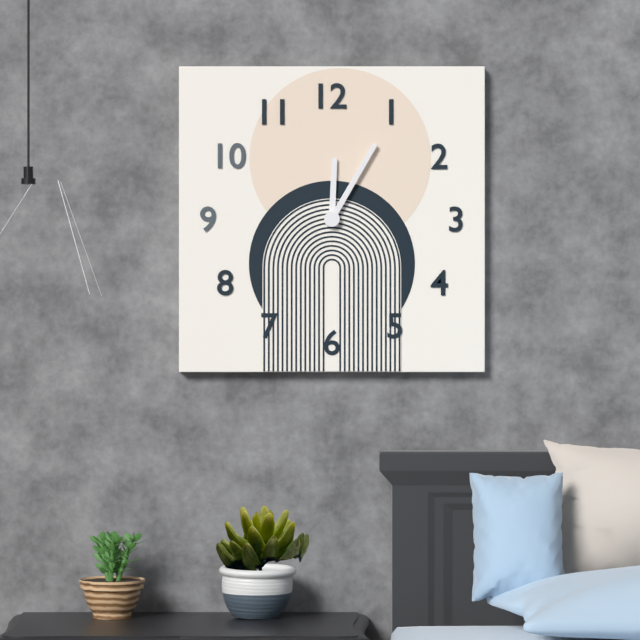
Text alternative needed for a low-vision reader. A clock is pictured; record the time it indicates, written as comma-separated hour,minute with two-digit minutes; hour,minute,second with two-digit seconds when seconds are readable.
12,05
